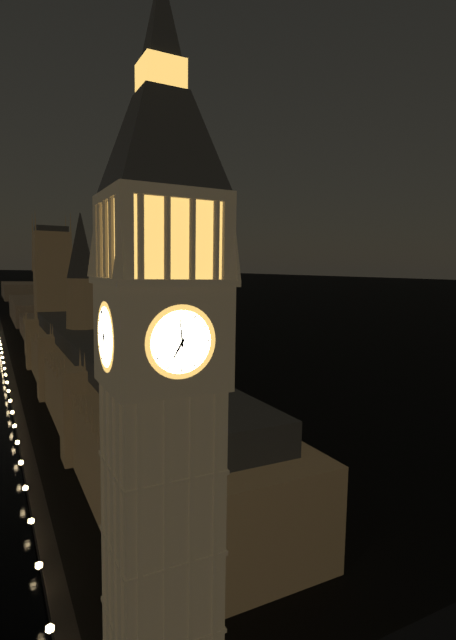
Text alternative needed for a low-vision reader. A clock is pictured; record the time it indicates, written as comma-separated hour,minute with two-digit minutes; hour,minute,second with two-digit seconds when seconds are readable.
6,59
